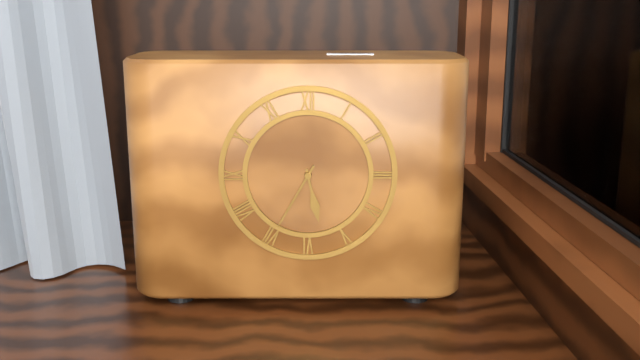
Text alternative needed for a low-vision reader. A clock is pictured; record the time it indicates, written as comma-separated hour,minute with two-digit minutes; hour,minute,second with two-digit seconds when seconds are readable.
5,35
